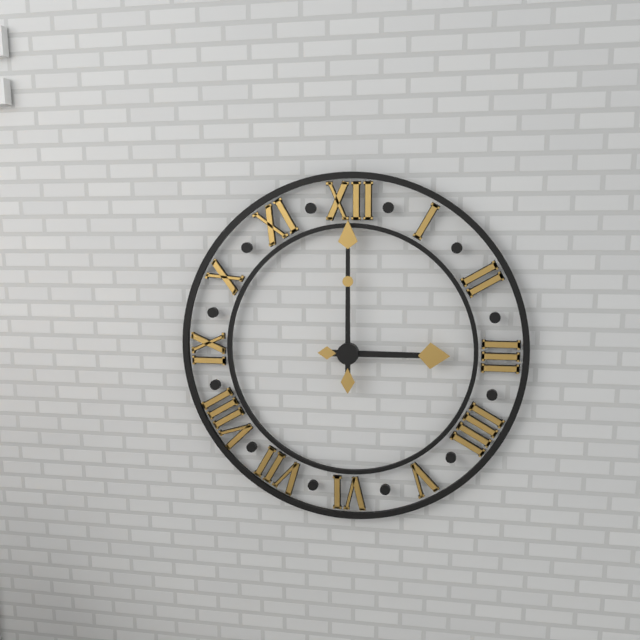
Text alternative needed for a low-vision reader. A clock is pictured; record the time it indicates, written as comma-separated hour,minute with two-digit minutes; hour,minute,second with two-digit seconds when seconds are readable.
3,00
